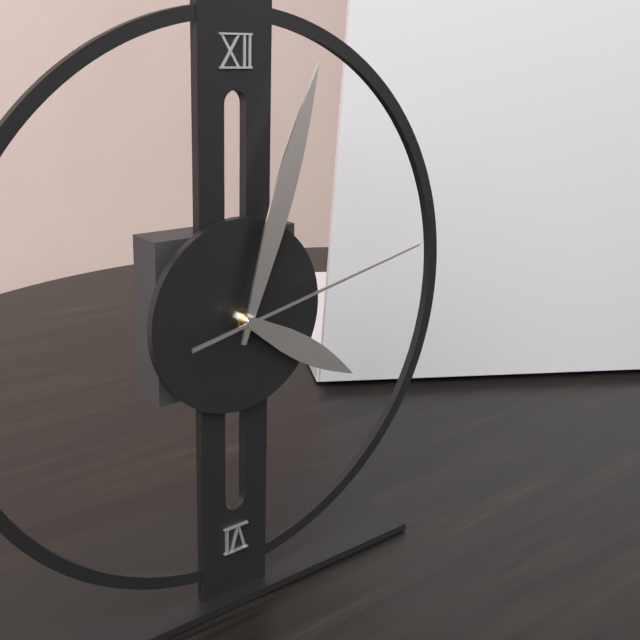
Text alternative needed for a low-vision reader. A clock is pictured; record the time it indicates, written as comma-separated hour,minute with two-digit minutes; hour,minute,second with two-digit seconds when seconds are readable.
4,03,13
